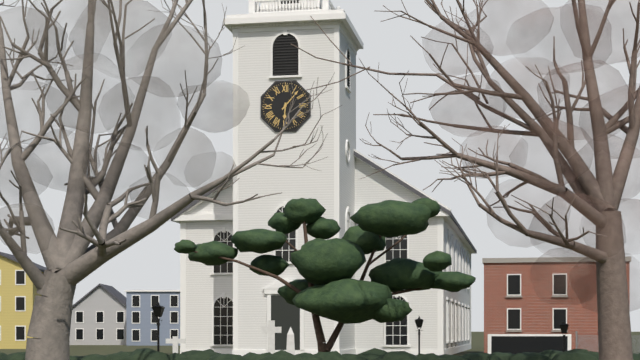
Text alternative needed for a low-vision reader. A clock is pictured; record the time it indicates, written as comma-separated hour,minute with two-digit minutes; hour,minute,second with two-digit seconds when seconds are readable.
6,07
